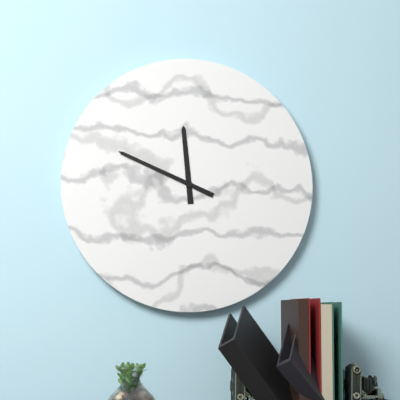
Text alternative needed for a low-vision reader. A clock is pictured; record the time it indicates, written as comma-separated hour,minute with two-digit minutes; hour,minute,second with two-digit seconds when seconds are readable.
11,49
